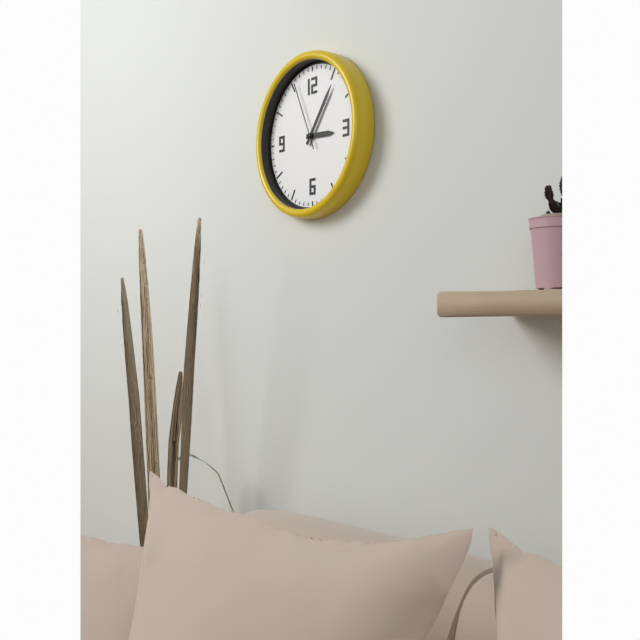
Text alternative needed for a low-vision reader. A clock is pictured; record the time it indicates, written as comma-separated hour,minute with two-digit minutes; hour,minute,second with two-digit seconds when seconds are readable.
3,06,56
